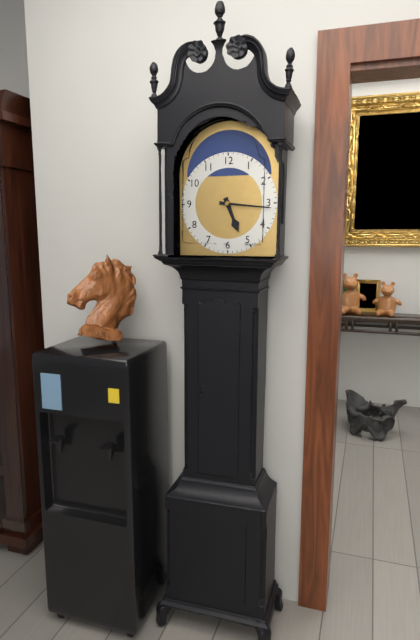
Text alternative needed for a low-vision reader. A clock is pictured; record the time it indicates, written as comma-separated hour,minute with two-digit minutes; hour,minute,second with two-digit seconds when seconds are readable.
5,16
